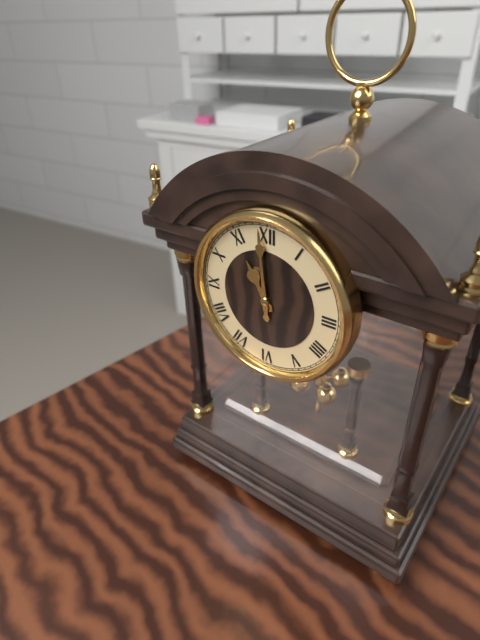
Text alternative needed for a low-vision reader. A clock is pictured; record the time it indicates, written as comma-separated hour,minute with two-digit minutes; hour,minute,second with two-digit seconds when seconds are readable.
10,59
